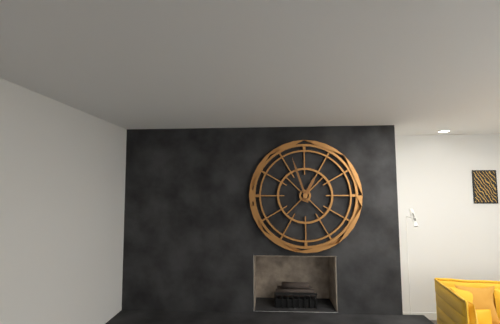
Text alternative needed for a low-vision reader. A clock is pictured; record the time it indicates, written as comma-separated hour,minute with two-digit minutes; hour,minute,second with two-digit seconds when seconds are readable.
12,57
